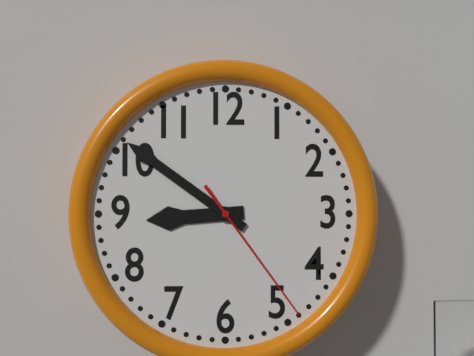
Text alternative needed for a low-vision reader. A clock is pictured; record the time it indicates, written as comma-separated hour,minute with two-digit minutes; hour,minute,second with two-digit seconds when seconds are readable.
8,51,24
